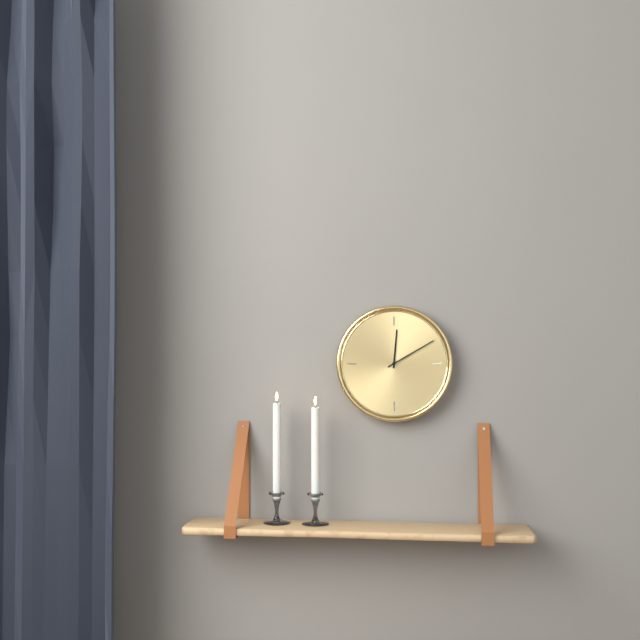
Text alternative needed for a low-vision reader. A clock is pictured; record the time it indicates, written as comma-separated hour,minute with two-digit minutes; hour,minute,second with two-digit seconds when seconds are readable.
12,10
